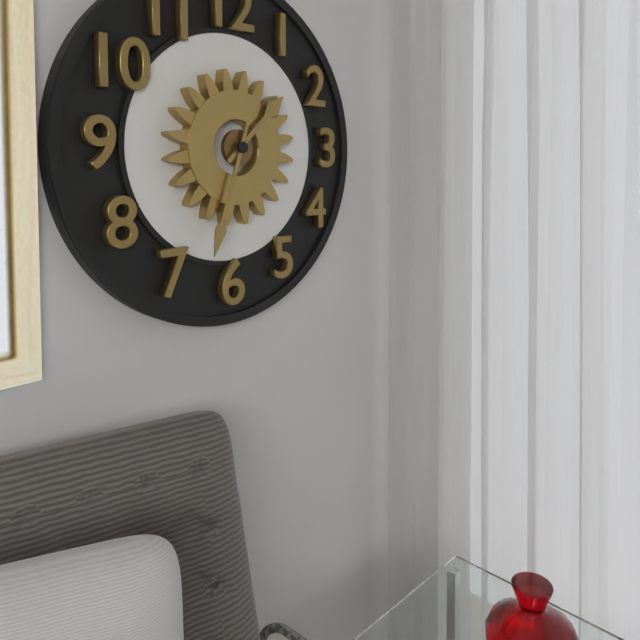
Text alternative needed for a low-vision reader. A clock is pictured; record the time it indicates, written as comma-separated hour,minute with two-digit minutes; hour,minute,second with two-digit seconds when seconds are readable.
1,33
